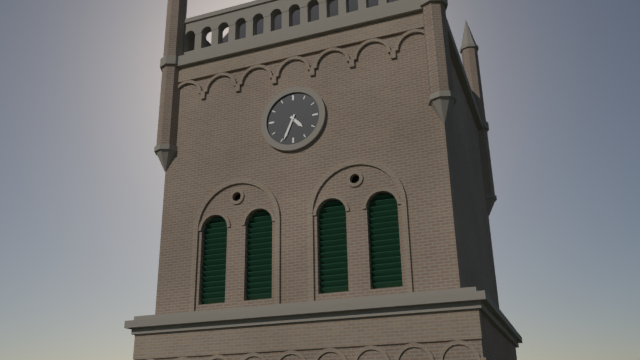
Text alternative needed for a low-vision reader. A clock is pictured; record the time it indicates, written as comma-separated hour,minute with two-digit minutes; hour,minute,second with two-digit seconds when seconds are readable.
4,34
